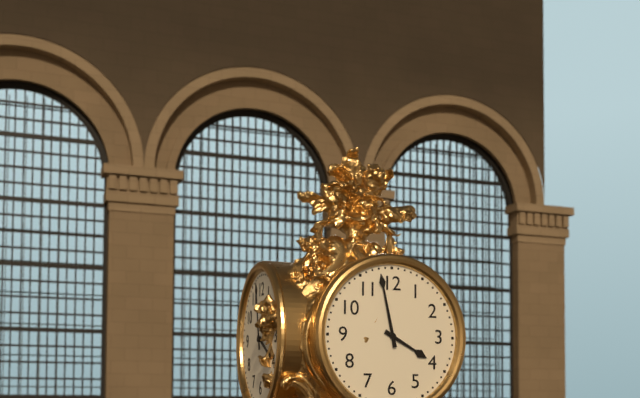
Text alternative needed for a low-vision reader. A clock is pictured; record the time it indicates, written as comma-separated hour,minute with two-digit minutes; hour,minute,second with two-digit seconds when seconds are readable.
3,58
